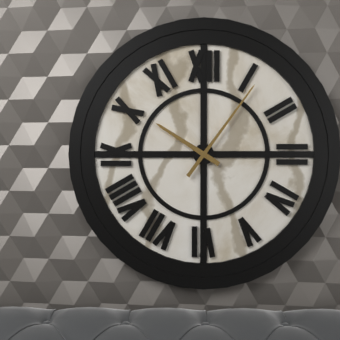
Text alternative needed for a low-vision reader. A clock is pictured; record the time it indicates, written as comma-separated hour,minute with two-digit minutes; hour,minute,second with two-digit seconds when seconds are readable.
10,06
